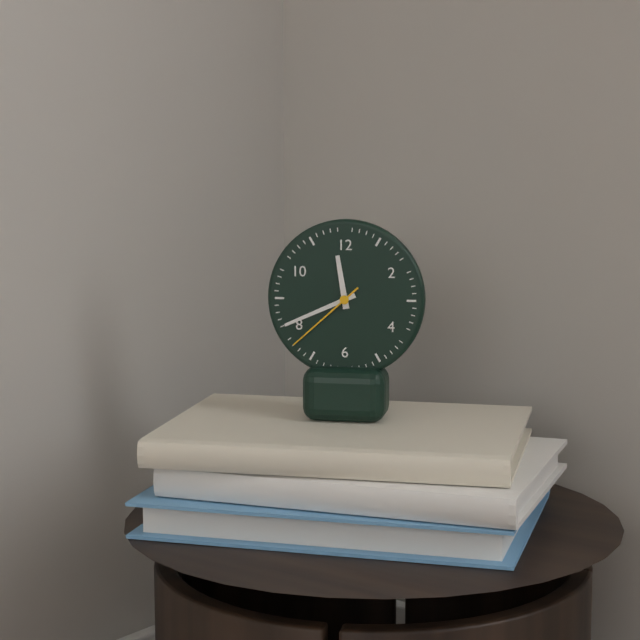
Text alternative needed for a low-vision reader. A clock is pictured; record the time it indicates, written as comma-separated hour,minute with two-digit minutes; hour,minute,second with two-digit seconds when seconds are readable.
11,41,38
